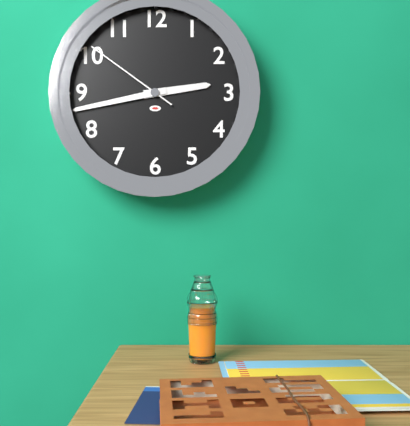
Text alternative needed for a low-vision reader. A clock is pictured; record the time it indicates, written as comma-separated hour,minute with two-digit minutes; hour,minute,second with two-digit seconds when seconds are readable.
2,43,51
